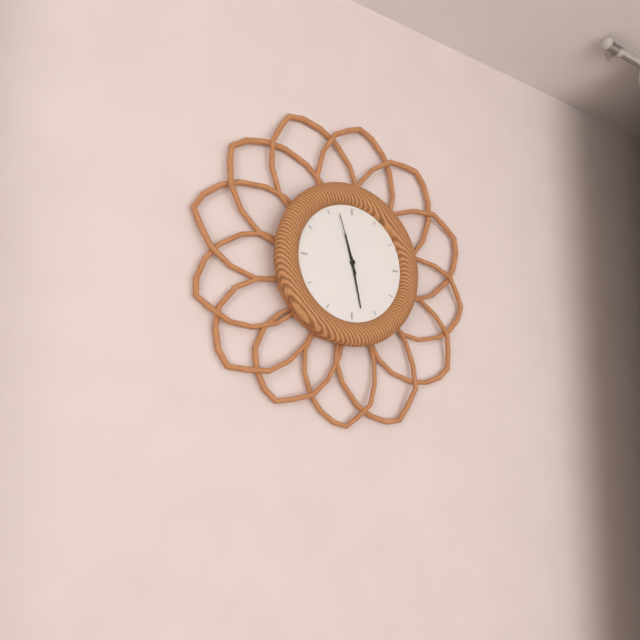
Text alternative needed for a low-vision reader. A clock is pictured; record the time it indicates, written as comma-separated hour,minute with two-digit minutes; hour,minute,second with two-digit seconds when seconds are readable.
11,28,57
